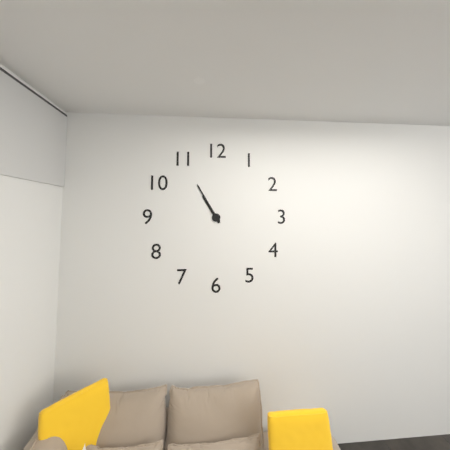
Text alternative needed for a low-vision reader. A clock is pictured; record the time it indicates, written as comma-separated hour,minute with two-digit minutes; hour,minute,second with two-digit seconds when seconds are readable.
10,55
